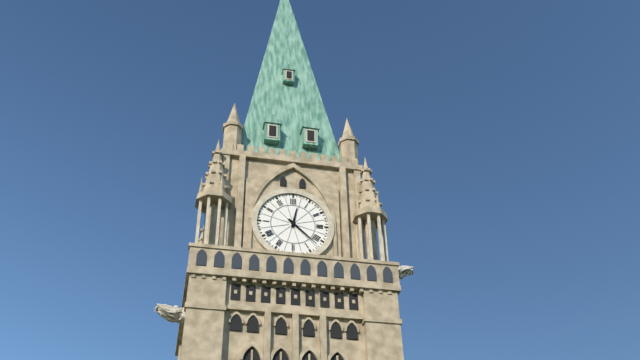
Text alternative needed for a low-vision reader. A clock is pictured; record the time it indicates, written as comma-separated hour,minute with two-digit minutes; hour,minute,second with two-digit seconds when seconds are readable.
12,22
